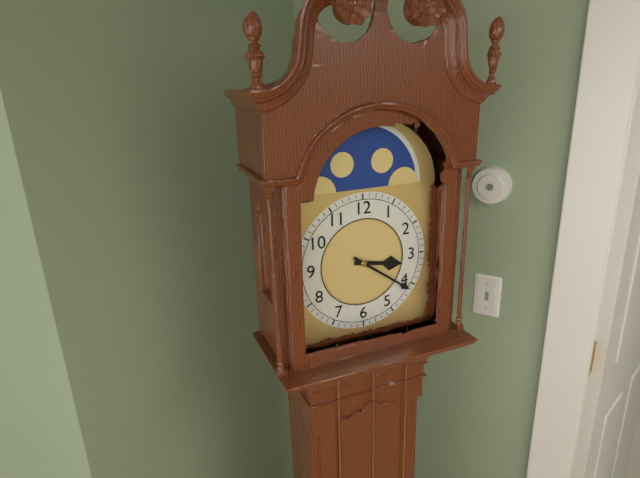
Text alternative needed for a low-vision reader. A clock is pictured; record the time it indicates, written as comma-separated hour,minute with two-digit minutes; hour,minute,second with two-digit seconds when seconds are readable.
3,21
